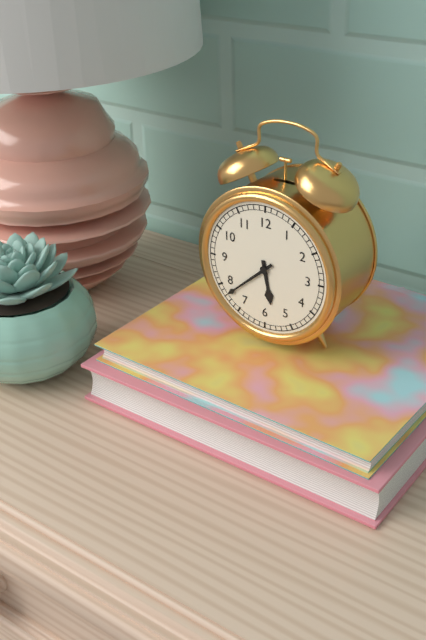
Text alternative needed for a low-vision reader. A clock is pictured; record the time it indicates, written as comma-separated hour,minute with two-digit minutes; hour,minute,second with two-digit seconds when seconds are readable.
5,38
